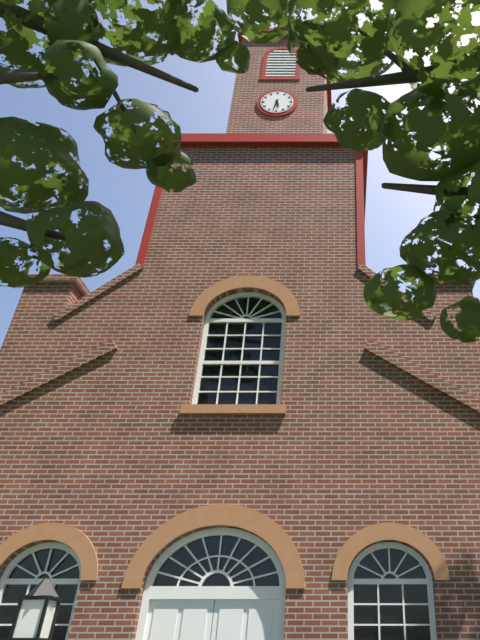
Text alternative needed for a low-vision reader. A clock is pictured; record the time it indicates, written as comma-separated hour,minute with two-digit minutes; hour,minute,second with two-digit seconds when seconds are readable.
5,32
